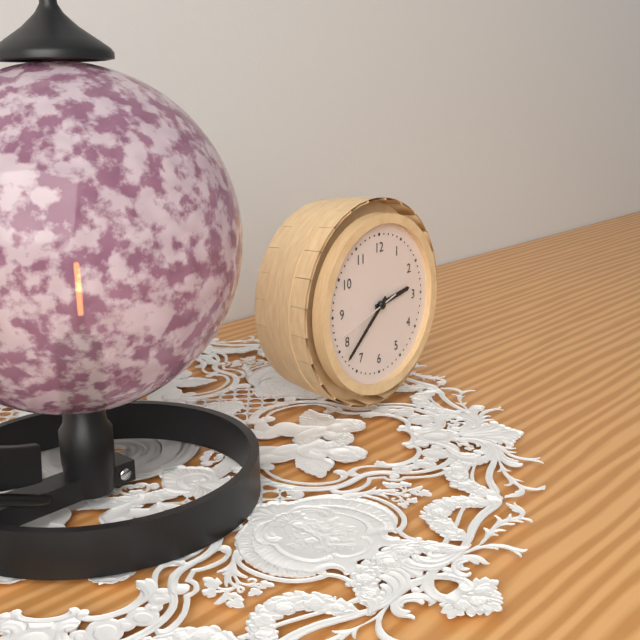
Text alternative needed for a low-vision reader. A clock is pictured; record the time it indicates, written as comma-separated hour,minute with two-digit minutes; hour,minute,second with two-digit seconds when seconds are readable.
2,38,42
